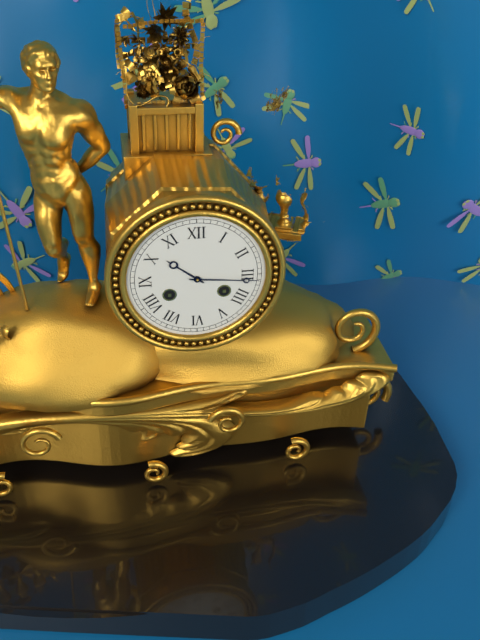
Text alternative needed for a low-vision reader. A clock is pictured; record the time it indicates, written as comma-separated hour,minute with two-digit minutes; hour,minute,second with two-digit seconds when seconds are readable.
10,16
